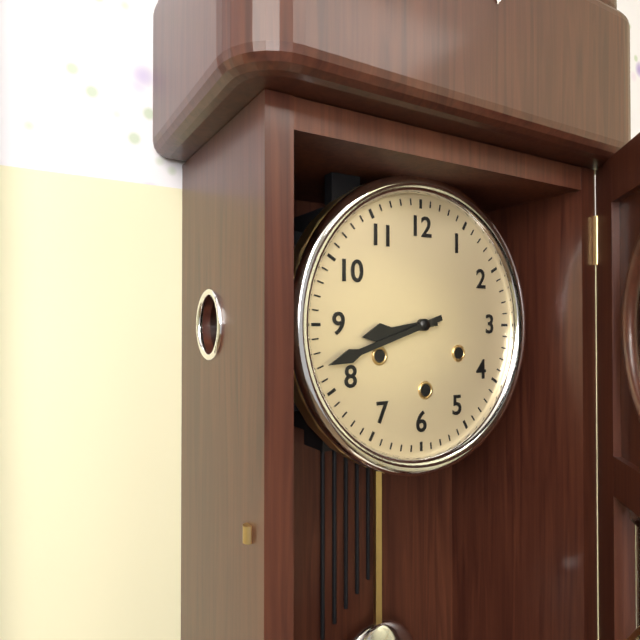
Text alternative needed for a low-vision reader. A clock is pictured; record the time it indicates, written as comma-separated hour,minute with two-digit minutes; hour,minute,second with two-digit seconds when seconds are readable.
8,42
